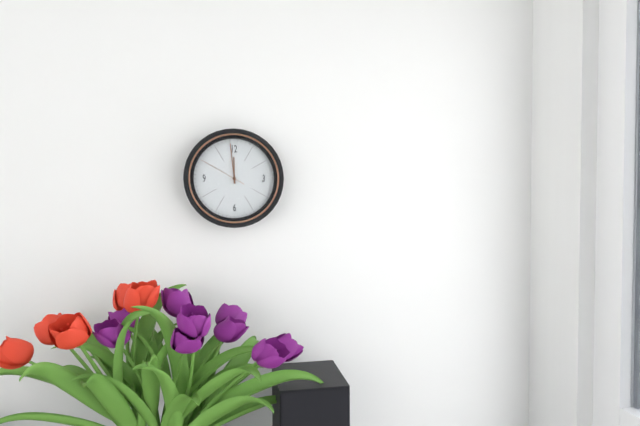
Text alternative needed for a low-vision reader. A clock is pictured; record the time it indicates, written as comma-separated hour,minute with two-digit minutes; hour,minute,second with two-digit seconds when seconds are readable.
11,59
